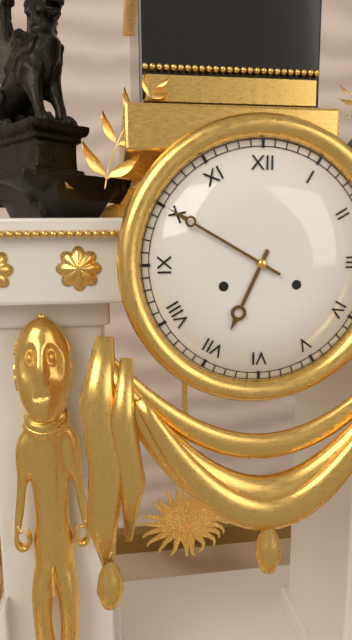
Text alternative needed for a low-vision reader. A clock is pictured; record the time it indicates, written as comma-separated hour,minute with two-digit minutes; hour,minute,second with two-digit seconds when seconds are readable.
6,50
